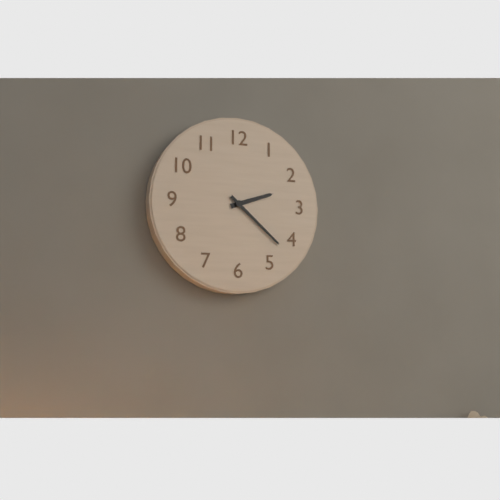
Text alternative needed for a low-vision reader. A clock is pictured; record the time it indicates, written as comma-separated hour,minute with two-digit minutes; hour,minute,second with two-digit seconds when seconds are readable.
2,22
